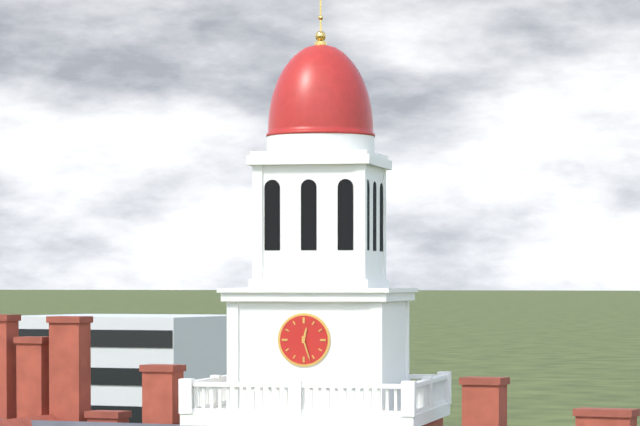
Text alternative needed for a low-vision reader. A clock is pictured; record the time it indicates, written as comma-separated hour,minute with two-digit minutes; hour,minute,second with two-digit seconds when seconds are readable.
12,27
